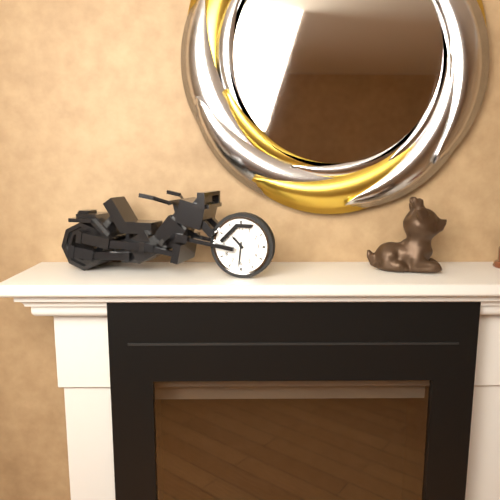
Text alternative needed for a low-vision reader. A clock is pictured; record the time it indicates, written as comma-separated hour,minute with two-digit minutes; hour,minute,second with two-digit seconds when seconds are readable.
10,31
